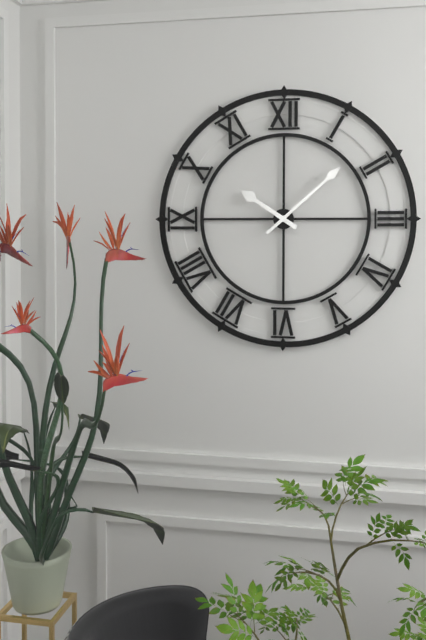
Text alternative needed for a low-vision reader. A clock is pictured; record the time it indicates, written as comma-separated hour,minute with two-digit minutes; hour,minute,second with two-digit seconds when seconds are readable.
10,08
